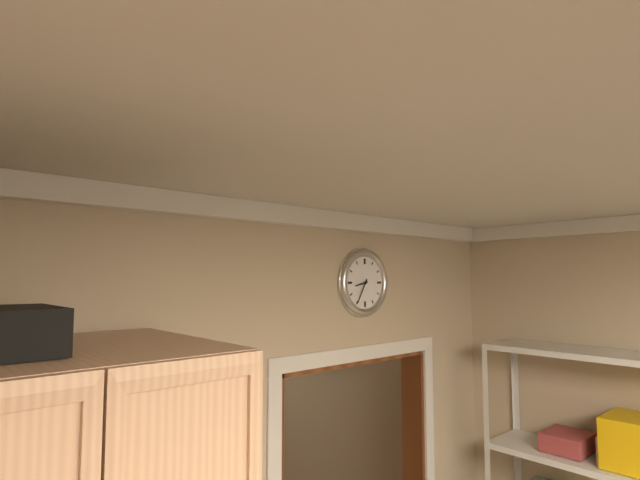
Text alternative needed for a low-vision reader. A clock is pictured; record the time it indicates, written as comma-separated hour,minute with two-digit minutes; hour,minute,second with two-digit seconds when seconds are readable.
8,35
